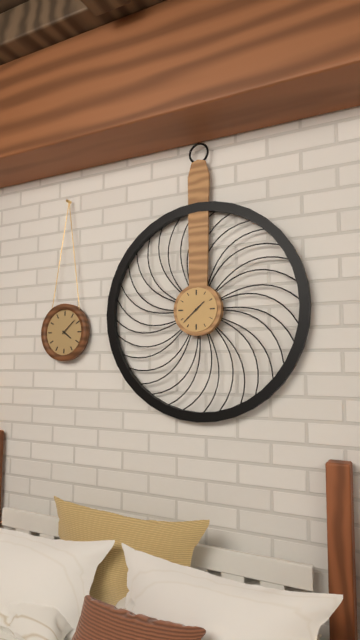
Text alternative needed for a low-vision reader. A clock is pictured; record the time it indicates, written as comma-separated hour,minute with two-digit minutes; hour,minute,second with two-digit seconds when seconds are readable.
1,38
